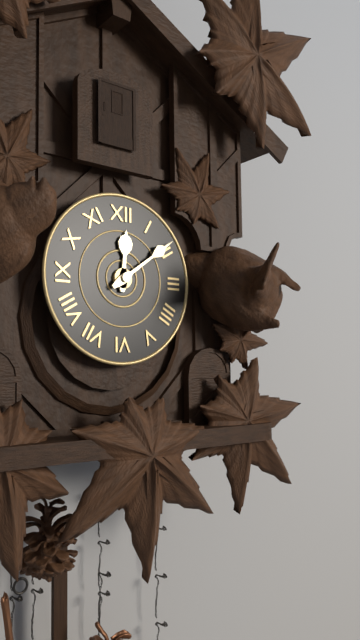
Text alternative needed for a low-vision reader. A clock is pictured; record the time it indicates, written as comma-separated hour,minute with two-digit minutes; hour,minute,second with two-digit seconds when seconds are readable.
12,09
